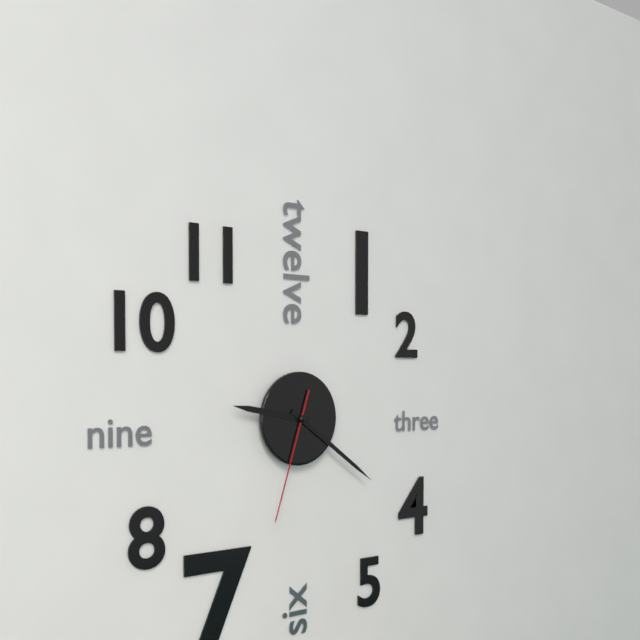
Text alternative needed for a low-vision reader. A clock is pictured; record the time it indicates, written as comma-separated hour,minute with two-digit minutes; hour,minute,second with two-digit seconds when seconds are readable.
9,21,33
